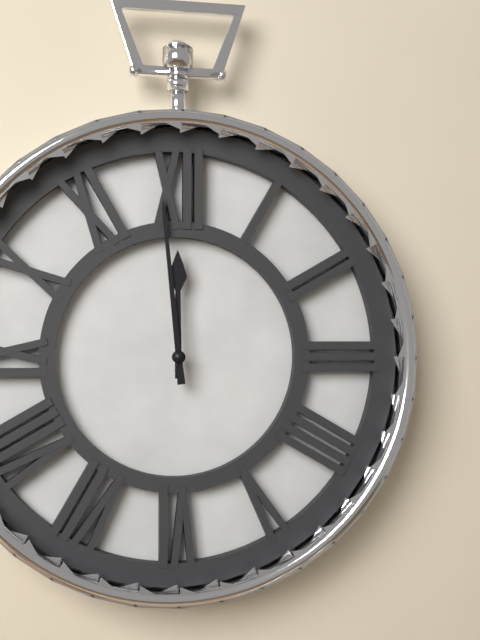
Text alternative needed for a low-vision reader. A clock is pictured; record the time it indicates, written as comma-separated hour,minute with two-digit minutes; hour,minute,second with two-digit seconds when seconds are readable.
11,59
